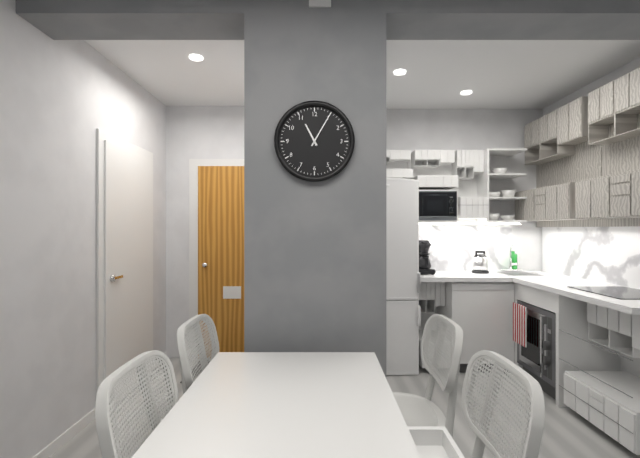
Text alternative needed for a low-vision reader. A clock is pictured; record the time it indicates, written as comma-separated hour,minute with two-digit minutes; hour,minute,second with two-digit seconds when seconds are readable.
11,05
